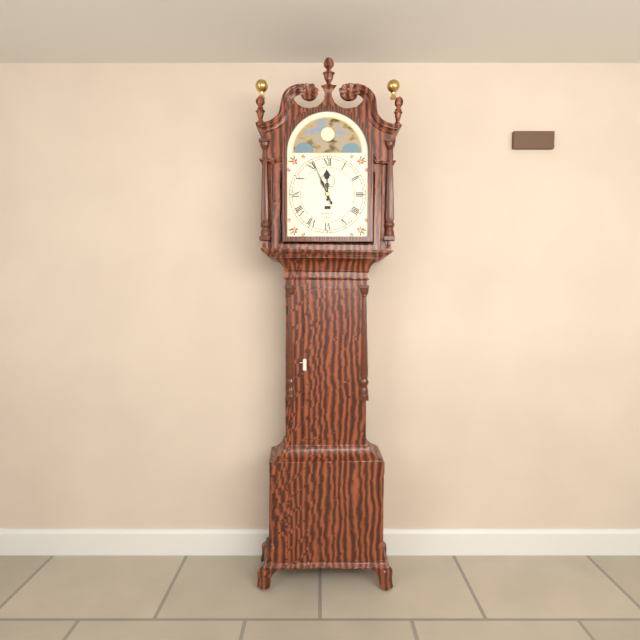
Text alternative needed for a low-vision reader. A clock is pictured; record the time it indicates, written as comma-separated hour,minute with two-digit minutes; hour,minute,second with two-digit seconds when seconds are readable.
11,56
